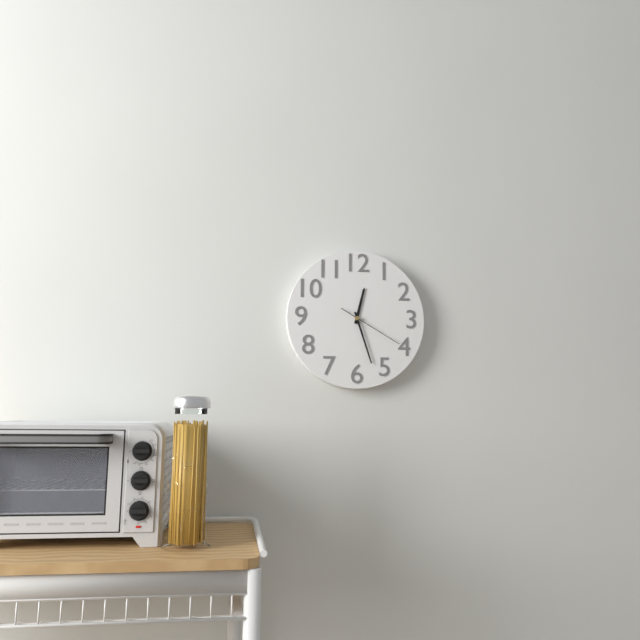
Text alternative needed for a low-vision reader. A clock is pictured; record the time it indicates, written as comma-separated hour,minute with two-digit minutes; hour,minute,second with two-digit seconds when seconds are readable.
12,27,20
